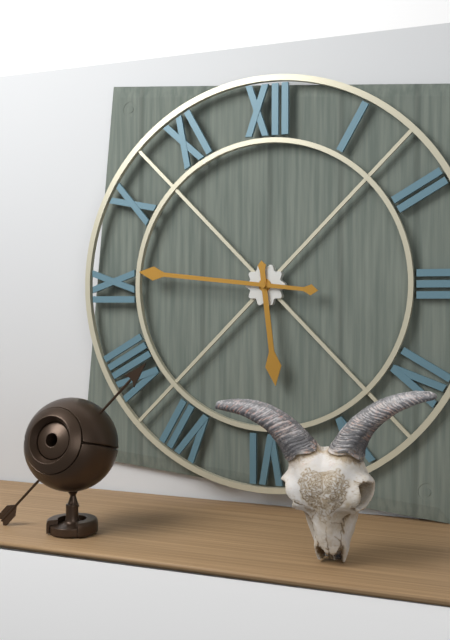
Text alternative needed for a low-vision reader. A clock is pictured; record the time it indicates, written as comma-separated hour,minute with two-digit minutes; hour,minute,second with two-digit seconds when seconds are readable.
5,46
